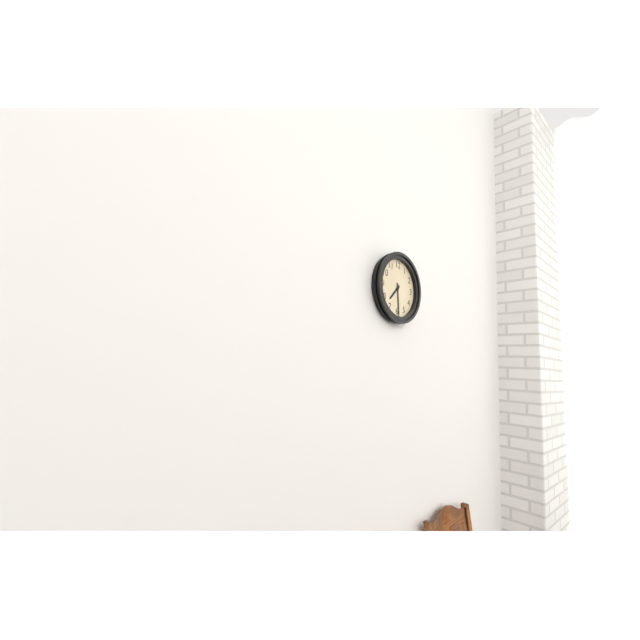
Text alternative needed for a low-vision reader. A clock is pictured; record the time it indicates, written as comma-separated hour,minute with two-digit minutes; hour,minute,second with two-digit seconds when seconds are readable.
7,29
